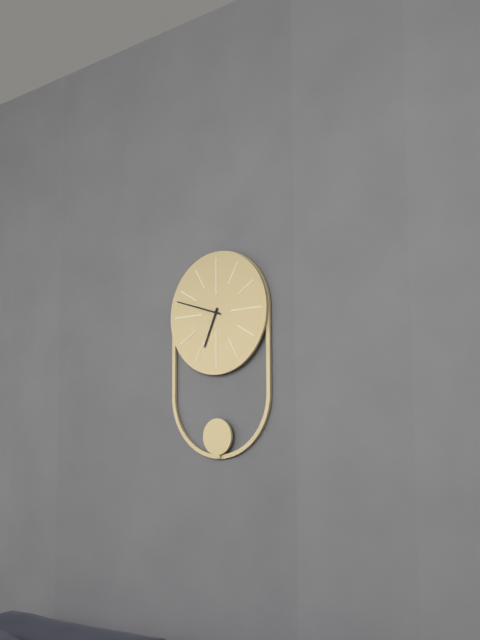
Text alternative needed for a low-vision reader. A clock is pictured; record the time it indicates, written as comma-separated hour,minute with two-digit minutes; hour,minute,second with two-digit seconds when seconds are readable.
6,48
